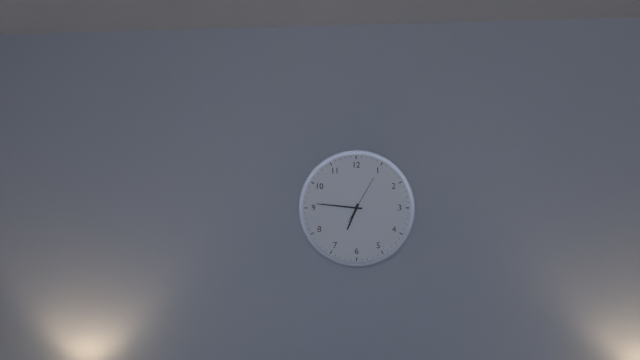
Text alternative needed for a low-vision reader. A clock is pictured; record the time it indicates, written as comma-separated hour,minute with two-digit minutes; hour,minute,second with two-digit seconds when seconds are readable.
6,46
